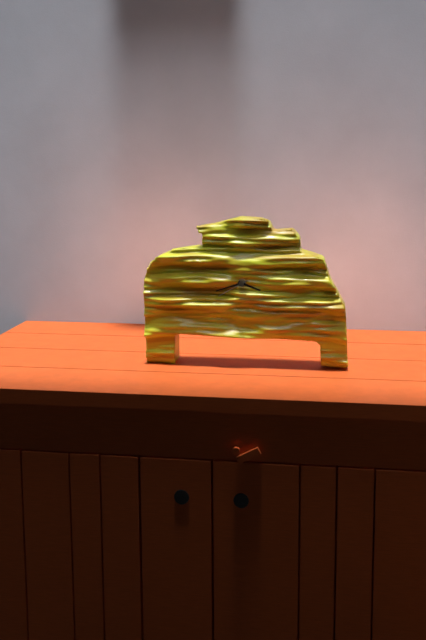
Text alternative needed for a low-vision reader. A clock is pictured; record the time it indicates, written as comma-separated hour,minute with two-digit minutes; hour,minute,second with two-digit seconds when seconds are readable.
3,42
